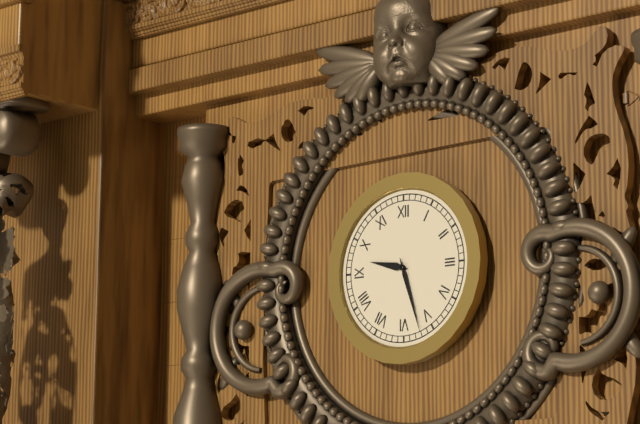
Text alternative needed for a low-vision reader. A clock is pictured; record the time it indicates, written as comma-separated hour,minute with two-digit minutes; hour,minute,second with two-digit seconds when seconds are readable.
9,27
